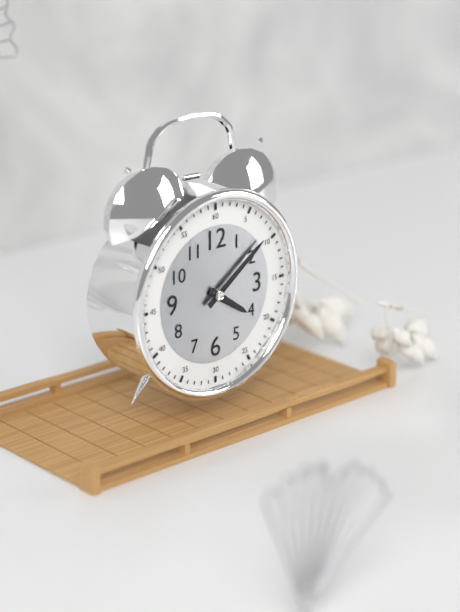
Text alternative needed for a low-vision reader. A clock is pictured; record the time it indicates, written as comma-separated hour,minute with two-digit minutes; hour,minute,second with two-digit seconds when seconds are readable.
4,09
